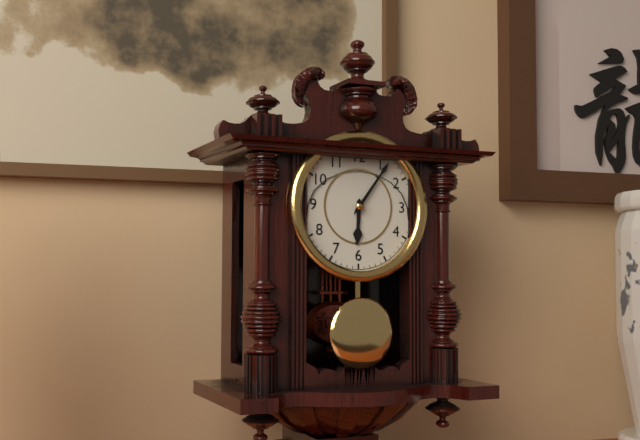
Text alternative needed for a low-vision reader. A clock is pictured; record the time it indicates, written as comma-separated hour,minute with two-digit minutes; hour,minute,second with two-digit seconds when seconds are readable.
6,06
